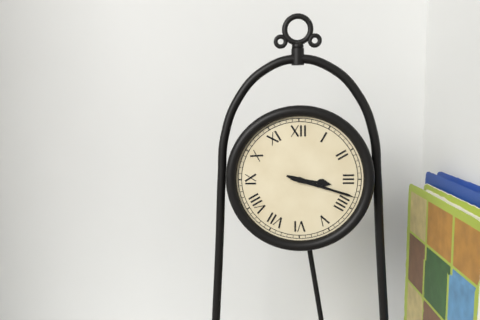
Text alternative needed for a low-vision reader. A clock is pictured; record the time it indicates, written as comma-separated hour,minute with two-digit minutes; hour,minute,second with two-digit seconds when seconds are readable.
3,18
